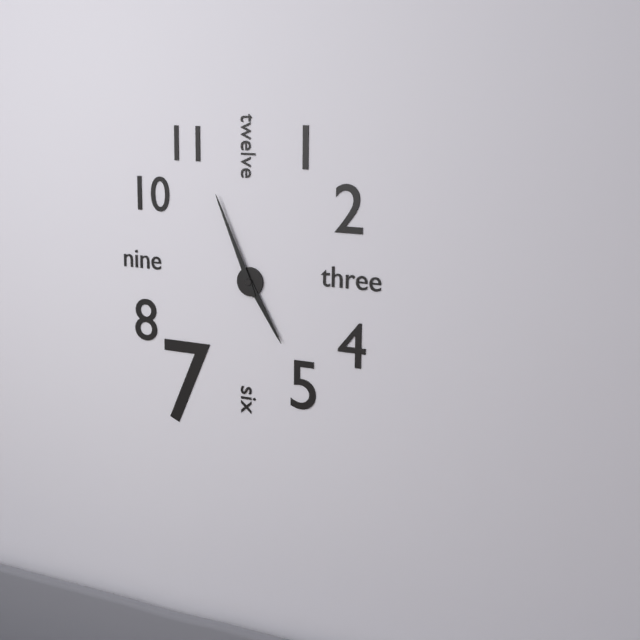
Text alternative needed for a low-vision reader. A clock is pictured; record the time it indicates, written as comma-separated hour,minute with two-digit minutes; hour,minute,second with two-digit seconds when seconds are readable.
4,56
